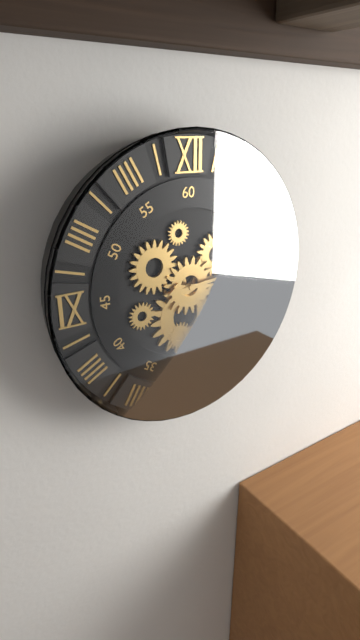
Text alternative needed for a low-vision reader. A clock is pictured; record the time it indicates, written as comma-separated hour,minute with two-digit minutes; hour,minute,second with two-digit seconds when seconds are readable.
3,14
